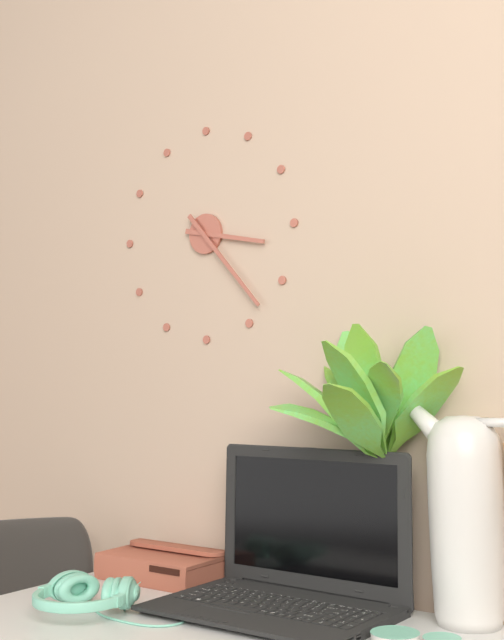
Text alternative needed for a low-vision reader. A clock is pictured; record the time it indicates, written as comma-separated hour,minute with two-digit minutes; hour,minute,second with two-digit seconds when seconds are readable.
3,23
